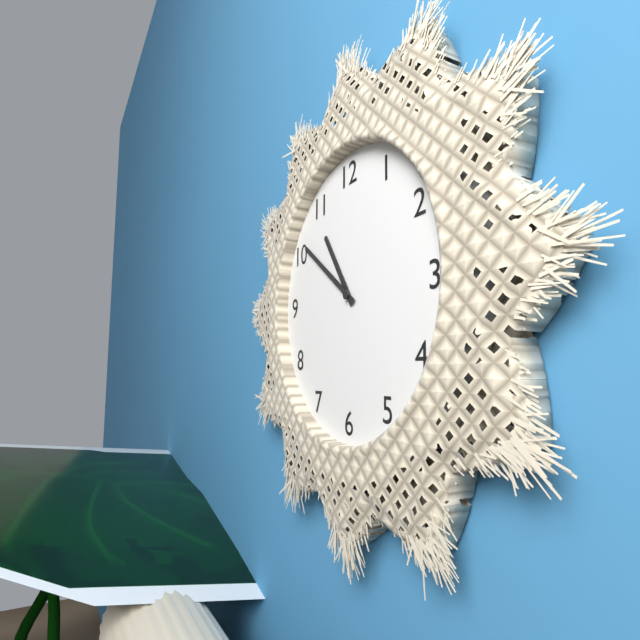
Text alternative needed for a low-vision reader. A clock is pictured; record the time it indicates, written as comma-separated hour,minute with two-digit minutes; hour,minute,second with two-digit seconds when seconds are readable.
10,51
